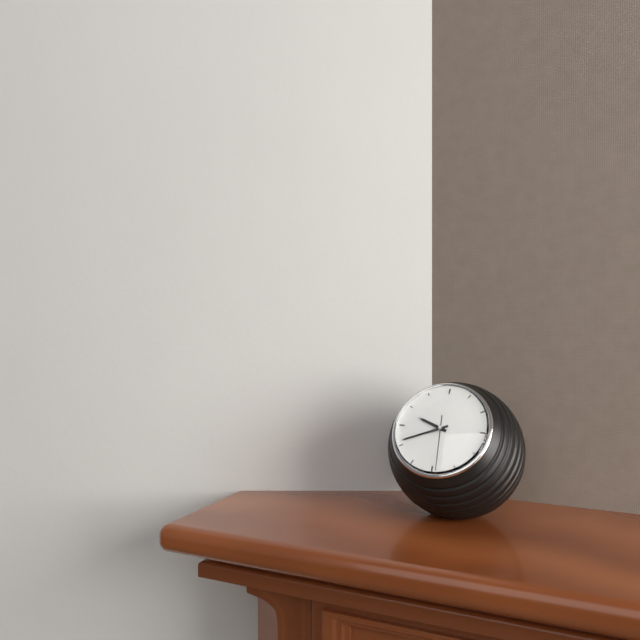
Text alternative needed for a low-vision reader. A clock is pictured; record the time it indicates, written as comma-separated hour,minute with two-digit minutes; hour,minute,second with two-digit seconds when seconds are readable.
9,41
